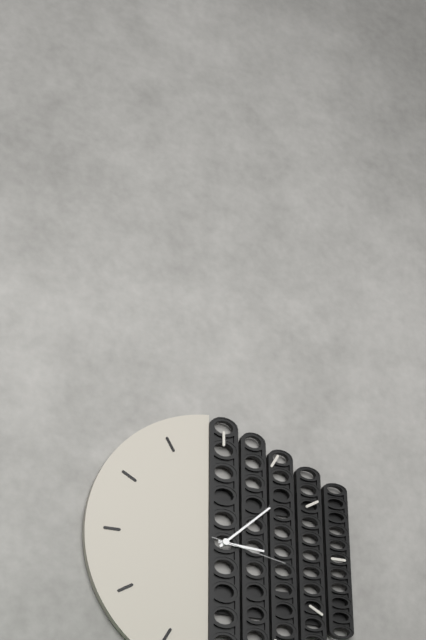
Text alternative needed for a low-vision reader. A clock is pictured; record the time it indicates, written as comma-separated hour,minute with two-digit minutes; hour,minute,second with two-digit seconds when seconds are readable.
3,08,17
